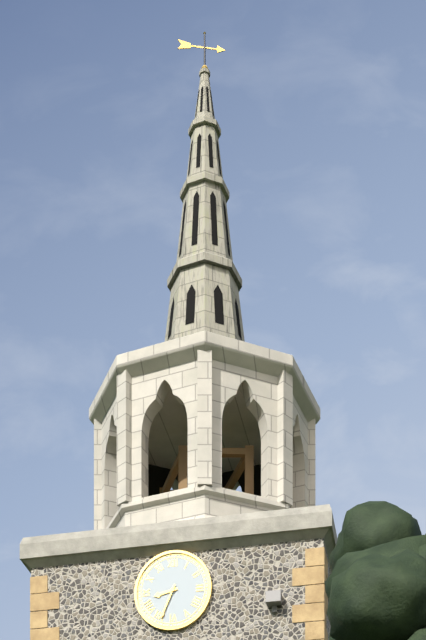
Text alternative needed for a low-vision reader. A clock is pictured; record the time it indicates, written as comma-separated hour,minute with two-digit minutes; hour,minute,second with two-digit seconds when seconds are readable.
8,34
